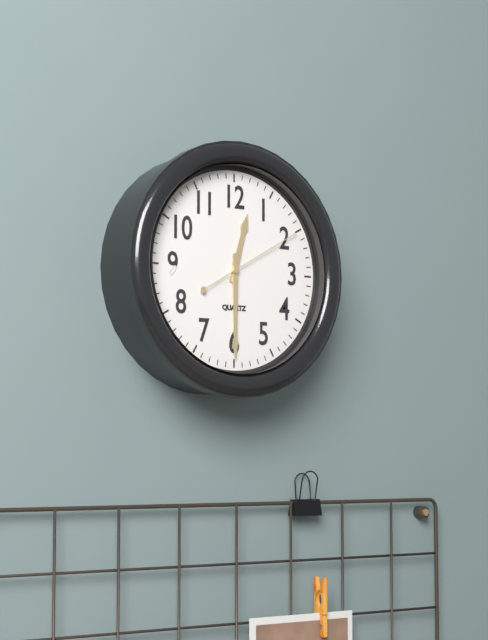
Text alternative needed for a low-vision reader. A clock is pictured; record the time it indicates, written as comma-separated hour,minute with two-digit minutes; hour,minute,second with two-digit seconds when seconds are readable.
12,30,10
